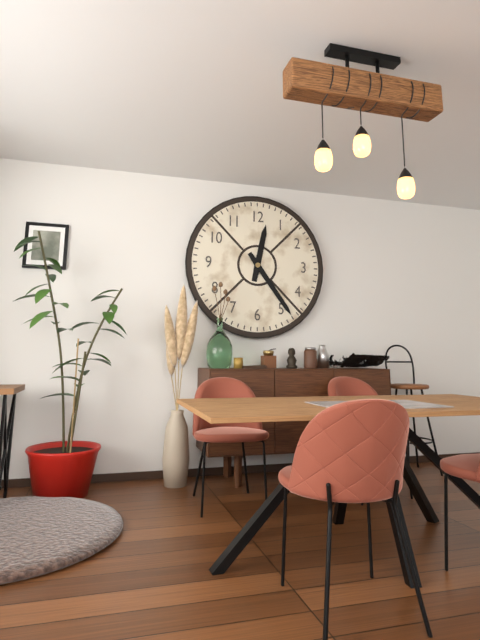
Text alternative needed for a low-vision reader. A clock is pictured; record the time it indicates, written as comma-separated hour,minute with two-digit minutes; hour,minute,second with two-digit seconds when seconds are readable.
12,24
